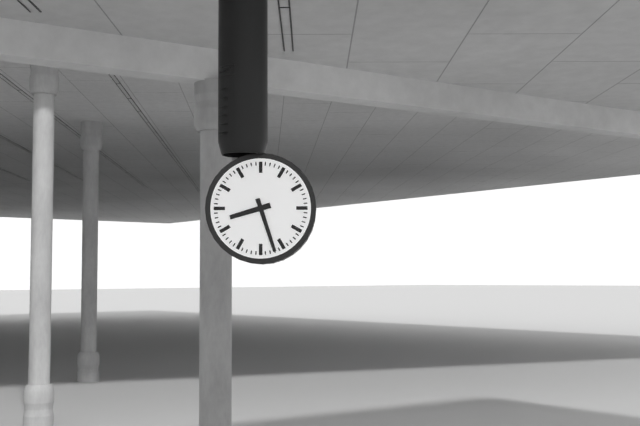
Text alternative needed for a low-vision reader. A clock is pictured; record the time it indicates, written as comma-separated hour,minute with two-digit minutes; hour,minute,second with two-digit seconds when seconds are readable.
8,27
